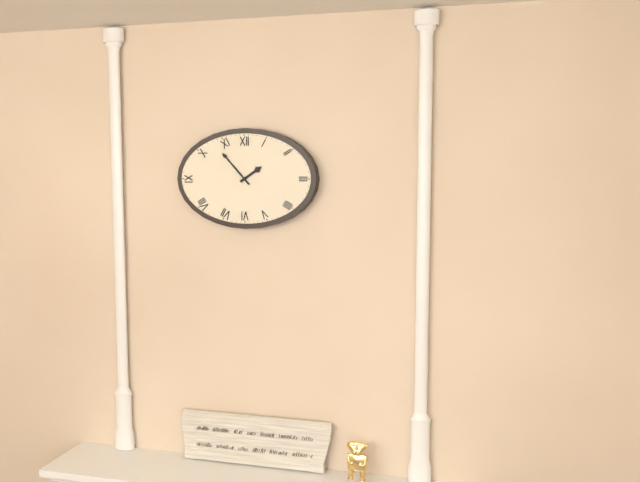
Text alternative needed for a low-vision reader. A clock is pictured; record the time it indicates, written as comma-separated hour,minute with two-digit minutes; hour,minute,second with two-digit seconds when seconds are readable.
1,53
